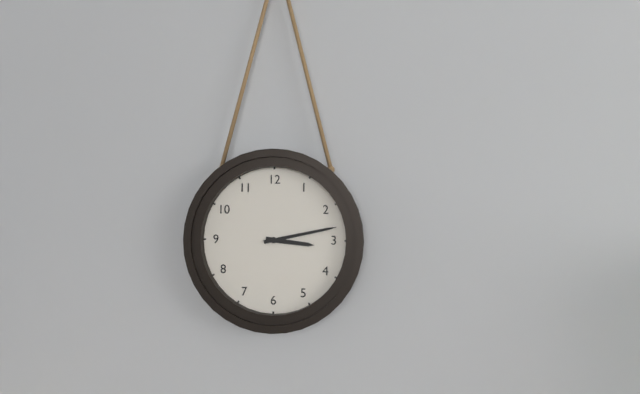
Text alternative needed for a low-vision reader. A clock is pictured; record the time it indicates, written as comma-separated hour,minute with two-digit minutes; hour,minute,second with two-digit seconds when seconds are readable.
3,13
